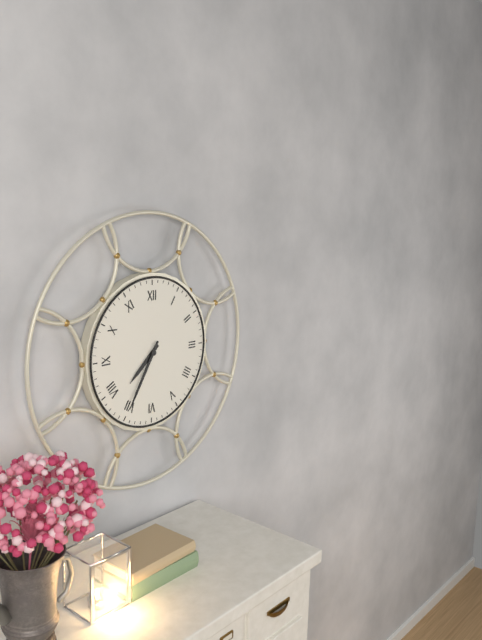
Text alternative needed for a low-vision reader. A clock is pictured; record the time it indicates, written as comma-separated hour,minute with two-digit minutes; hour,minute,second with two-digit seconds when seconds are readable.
7,35
